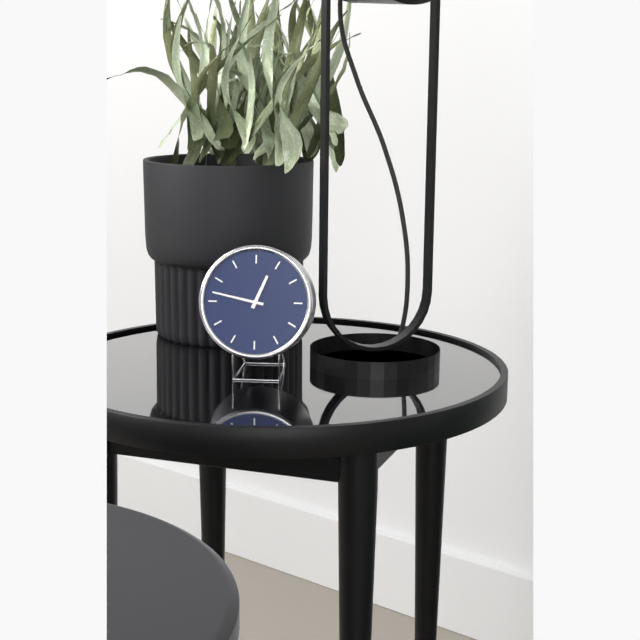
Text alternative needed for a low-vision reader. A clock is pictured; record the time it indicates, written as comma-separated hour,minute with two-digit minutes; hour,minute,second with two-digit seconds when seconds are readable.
12,47
